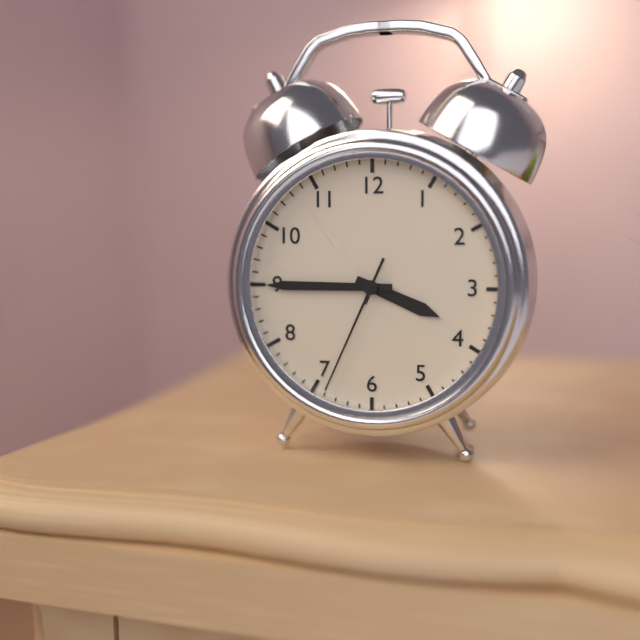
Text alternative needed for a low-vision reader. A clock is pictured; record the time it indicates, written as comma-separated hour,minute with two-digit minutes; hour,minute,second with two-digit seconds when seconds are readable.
3,45,34
